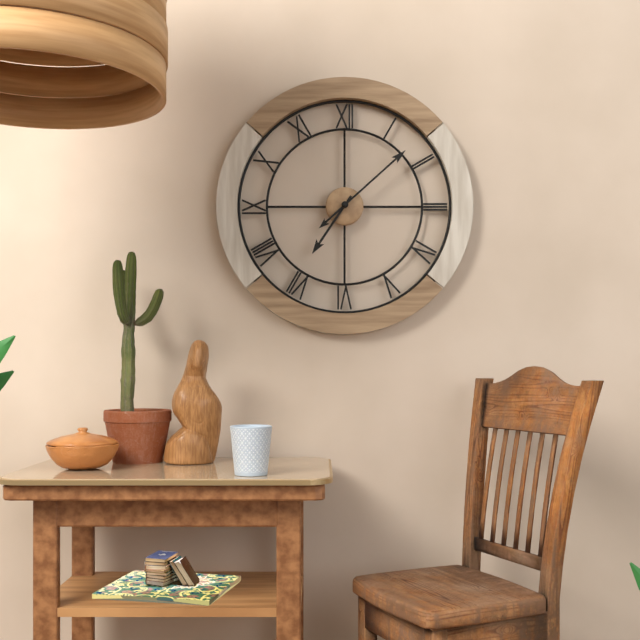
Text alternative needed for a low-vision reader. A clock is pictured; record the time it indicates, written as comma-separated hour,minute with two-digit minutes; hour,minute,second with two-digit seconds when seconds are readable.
7,08
